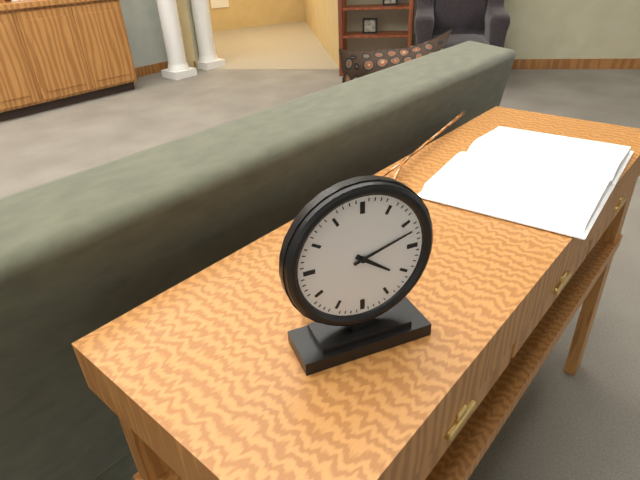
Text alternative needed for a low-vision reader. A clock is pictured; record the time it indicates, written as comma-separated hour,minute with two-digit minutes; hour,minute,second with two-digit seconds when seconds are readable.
4,12
